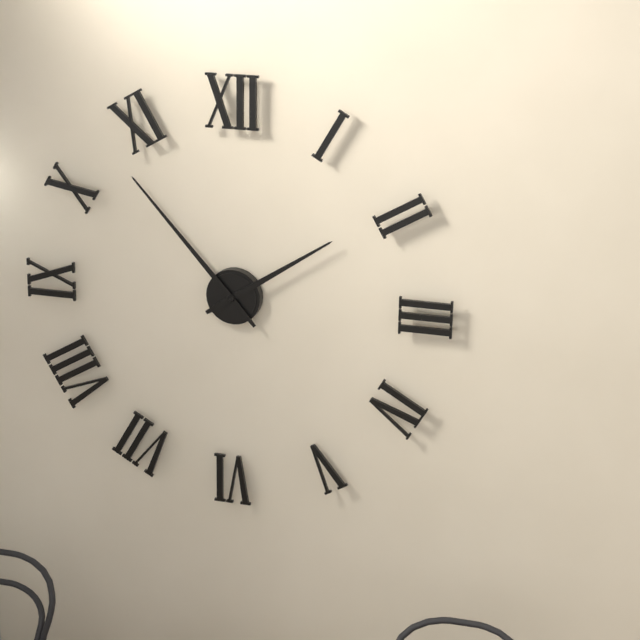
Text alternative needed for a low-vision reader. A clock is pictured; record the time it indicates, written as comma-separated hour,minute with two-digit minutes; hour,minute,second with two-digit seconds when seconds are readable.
1,53
